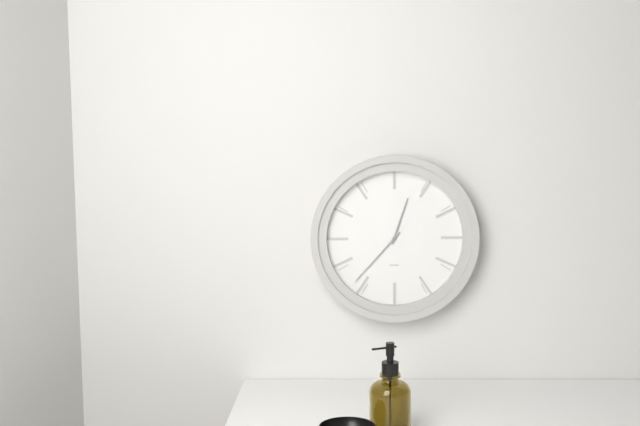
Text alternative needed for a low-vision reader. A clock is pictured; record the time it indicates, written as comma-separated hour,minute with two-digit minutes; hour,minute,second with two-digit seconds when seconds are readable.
12,37
